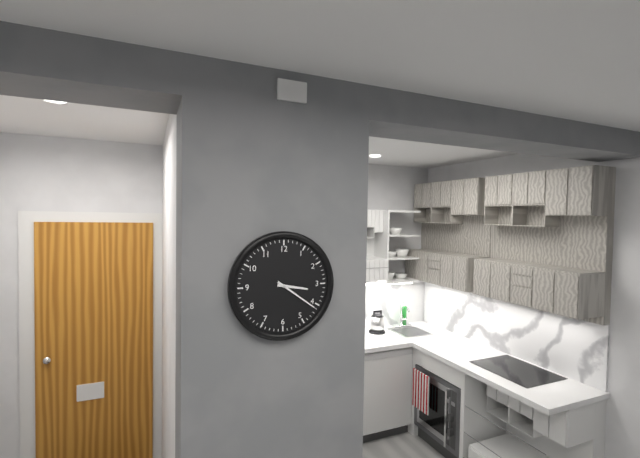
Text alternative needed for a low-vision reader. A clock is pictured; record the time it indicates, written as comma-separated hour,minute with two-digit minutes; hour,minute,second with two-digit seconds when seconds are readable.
3,21
